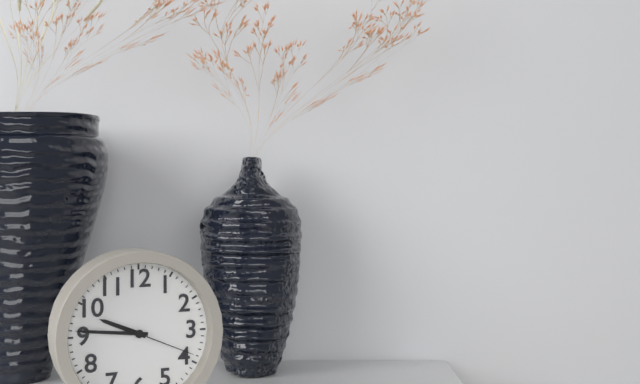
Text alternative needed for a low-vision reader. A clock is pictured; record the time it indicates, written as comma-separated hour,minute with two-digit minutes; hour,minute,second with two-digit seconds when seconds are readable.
9,46,19
